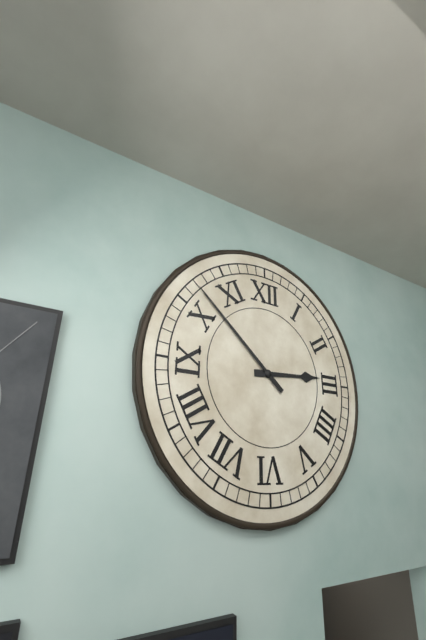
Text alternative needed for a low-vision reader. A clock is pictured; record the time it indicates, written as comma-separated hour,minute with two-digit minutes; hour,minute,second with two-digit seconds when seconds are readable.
2,52
